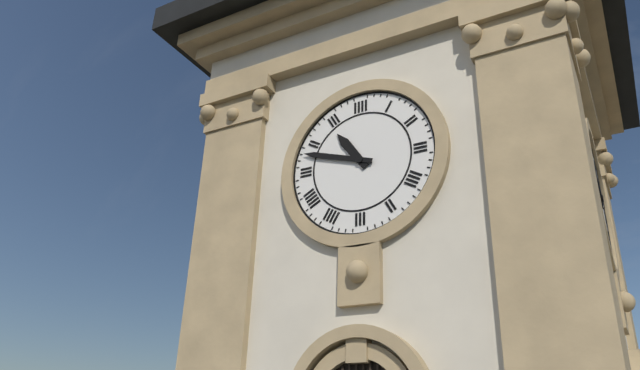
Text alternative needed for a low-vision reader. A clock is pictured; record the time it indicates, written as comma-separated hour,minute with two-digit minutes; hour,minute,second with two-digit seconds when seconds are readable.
10,48
